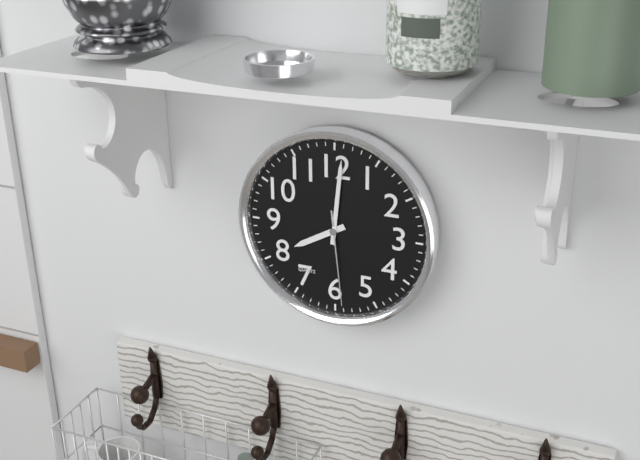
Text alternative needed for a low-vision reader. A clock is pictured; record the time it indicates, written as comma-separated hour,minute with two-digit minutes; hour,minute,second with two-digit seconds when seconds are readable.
8,01,29
